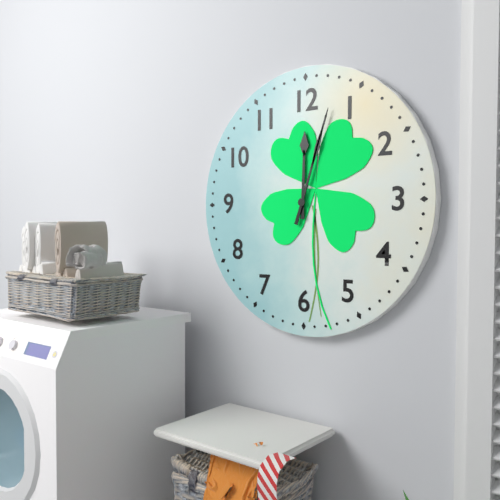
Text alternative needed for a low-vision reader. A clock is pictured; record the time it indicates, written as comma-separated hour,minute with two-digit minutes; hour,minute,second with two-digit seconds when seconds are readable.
12,03
